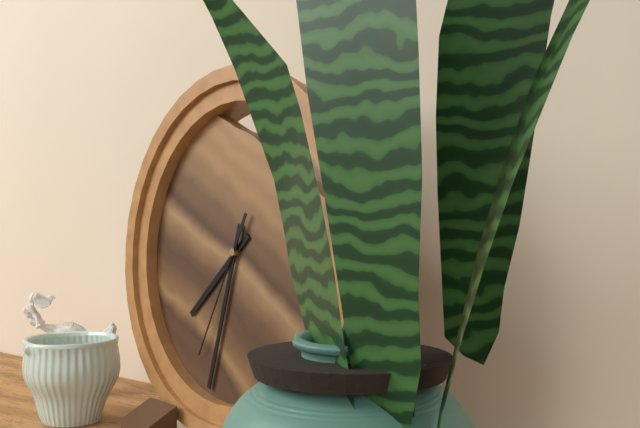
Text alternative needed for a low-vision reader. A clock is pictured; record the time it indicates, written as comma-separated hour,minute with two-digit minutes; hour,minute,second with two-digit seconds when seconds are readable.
7,32,34
